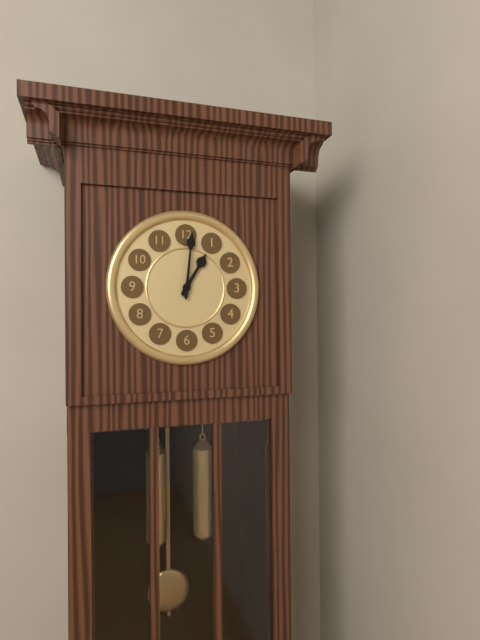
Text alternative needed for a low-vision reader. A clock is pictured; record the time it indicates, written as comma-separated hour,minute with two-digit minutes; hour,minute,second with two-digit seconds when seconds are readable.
1,01
